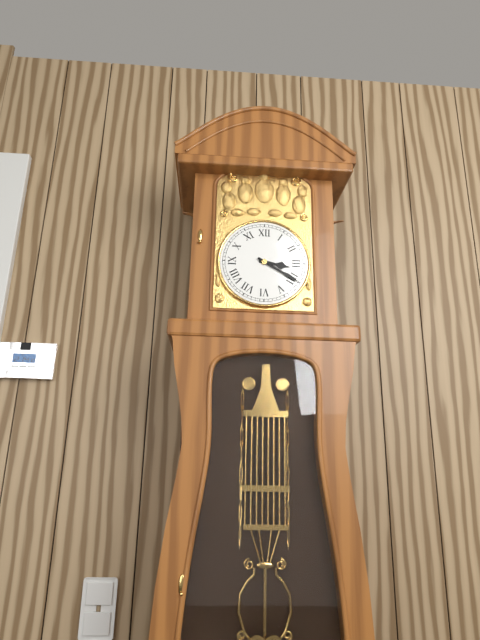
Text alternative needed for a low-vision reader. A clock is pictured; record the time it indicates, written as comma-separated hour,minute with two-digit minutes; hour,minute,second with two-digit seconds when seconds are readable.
3,20
